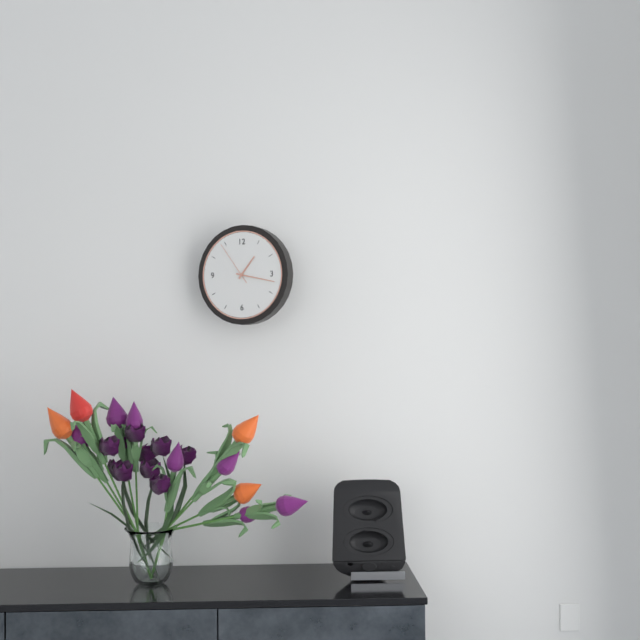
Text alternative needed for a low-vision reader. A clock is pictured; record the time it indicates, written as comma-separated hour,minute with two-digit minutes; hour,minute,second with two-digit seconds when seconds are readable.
1,17
